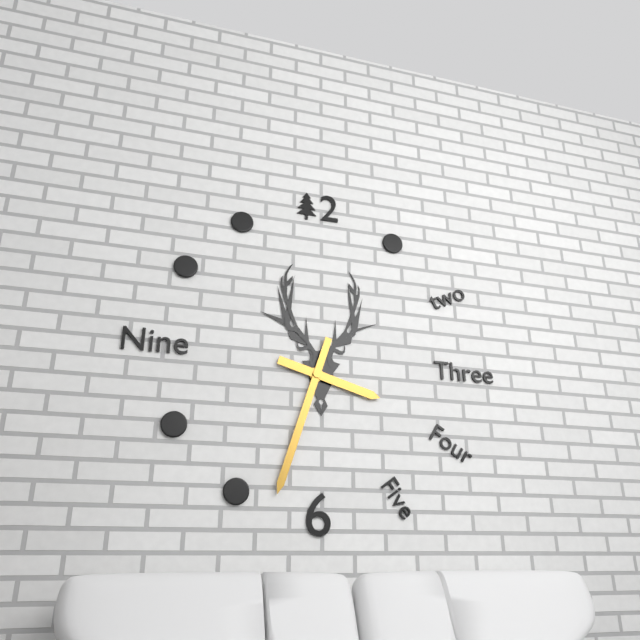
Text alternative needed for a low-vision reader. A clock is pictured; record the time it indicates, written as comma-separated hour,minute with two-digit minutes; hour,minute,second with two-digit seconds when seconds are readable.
3,33
